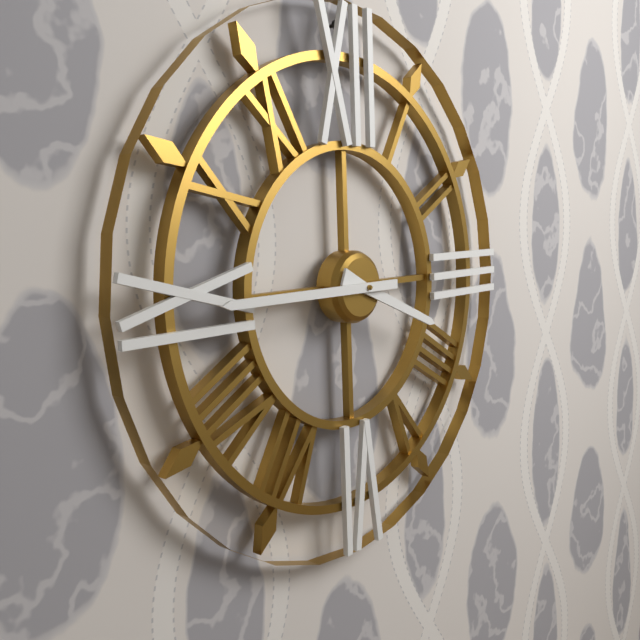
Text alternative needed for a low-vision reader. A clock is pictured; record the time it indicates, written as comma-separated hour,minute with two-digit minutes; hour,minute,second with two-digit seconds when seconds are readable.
3,45
